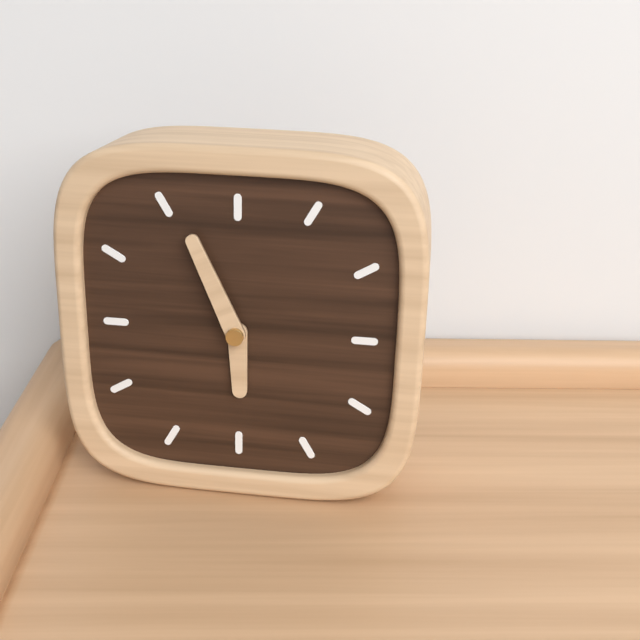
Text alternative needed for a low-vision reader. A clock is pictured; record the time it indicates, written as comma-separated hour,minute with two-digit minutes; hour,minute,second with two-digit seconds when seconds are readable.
5,56
